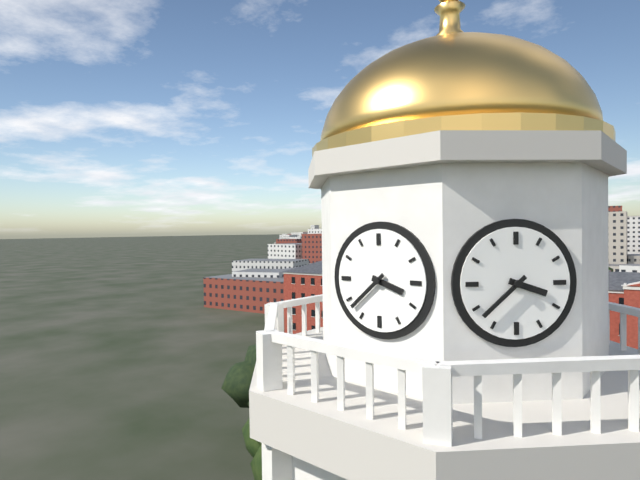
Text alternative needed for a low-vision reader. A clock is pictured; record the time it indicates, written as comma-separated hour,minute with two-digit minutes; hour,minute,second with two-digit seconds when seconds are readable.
3,38
